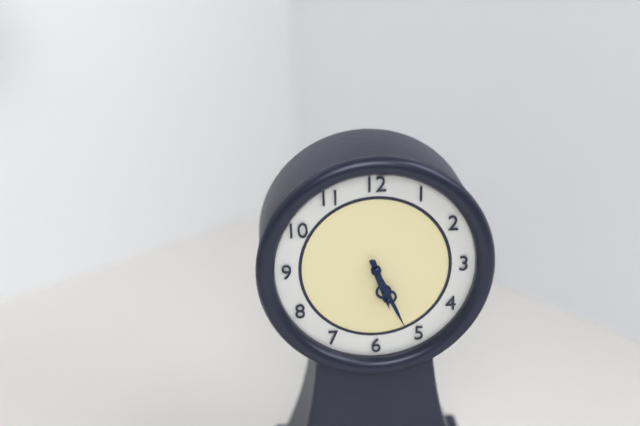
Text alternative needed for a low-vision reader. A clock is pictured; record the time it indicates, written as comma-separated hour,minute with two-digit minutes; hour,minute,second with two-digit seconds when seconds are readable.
5,26
